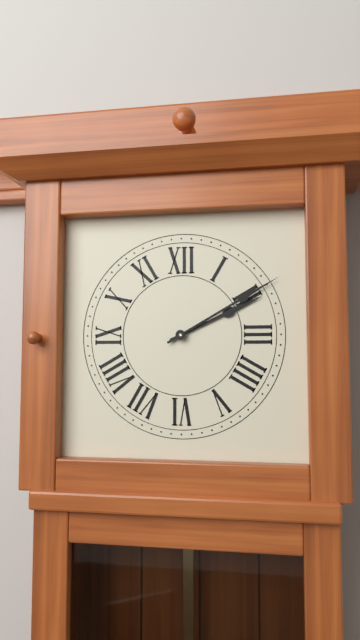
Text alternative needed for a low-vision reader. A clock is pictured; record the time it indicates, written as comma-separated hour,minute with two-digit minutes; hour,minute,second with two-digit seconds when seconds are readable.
2,10
